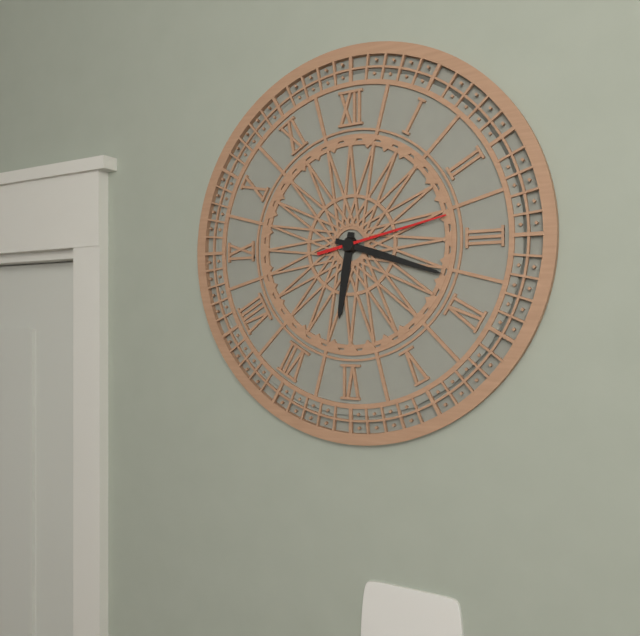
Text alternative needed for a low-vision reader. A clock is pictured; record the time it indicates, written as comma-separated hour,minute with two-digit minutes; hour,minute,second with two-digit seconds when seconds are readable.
6,18,13
